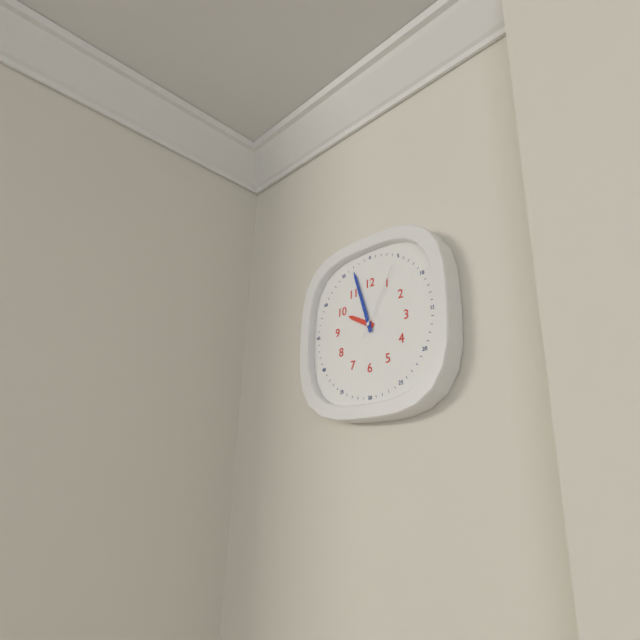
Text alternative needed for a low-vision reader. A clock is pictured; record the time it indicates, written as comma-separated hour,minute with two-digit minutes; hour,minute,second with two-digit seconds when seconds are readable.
9,57,05
